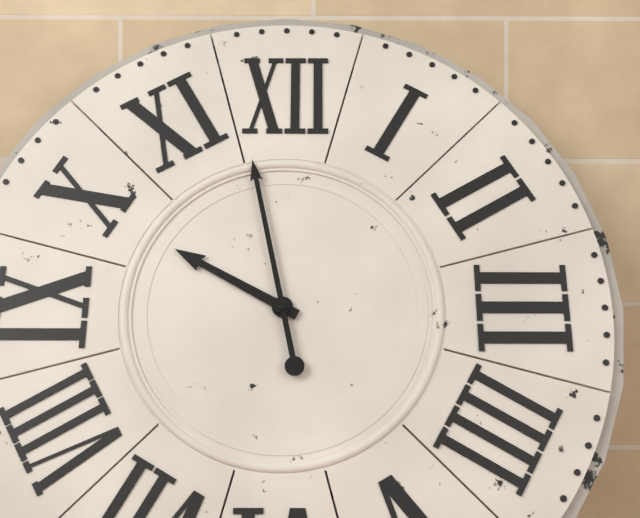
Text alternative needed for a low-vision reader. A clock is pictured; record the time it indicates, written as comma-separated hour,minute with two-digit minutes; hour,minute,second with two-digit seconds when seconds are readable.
9,58
